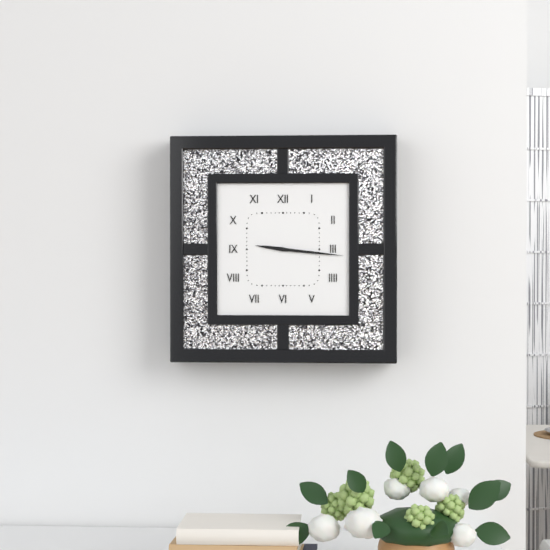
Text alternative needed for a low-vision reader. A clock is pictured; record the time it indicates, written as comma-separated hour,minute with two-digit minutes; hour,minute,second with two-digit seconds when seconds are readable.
9,16
